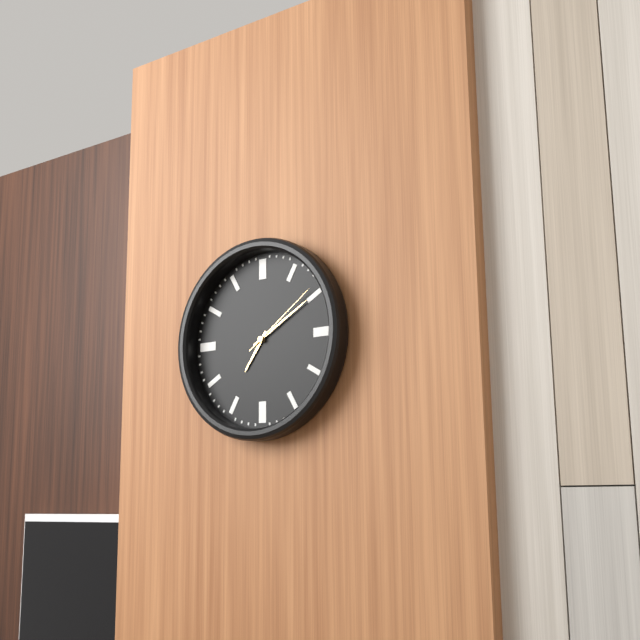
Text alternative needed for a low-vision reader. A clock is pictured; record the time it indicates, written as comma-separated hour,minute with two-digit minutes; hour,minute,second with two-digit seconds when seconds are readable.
7,10,09
